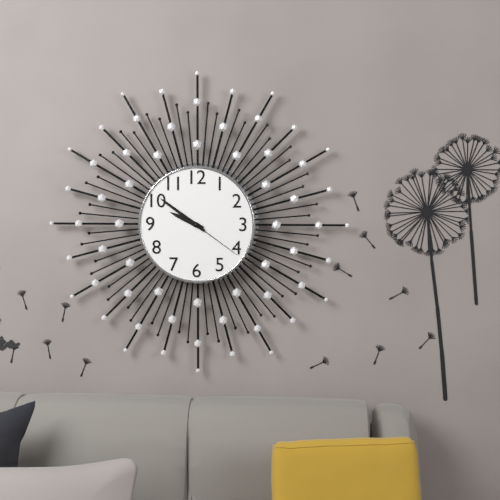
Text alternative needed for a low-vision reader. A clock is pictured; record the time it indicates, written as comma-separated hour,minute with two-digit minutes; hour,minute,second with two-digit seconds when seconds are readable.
9,51,21
